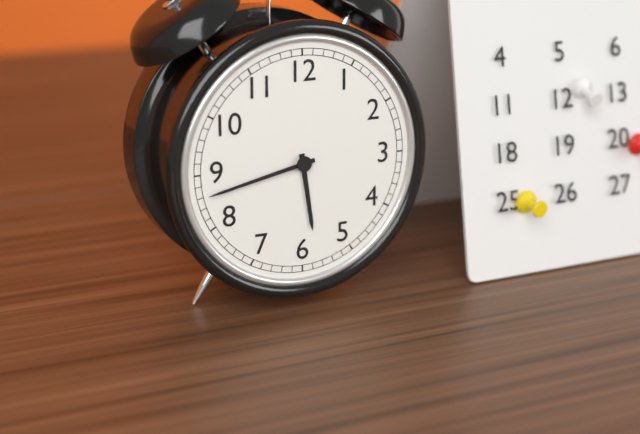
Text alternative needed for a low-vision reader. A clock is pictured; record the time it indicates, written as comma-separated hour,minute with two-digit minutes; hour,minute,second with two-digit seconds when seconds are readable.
5,43
